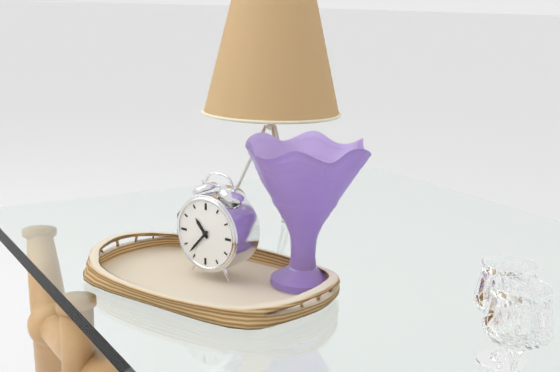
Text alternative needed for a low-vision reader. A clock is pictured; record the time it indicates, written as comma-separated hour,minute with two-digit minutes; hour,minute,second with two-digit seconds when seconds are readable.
10,37
